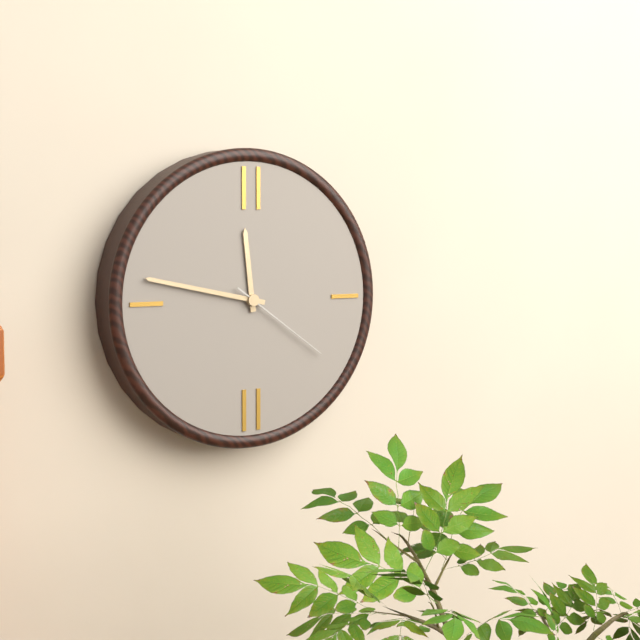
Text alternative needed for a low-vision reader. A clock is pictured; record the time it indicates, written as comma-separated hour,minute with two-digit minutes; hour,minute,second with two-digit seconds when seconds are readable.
11,47,21
